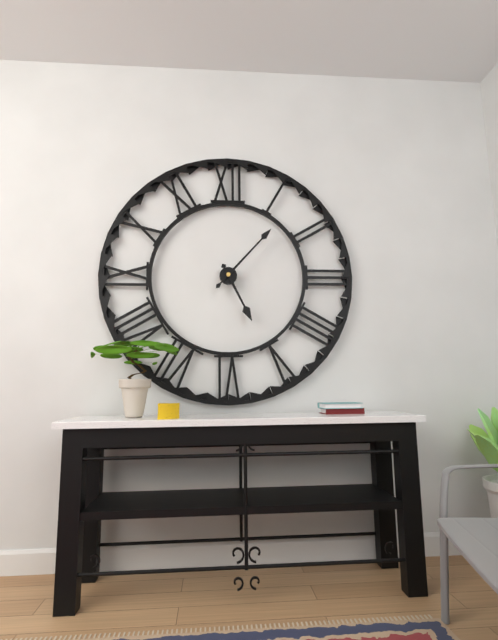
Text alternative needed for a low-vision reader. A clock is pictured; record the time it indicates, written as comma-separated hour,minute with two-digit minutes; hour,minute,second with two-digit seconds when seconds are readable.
5,07
